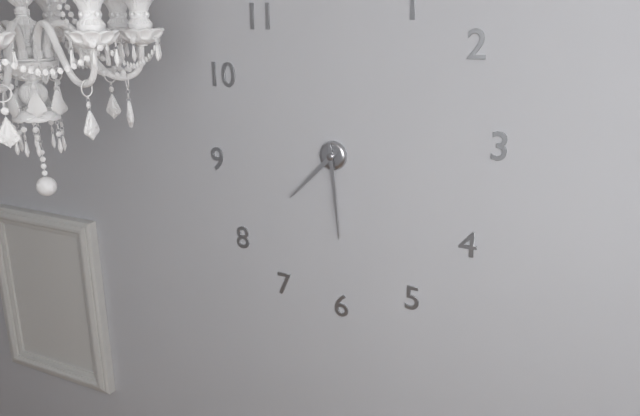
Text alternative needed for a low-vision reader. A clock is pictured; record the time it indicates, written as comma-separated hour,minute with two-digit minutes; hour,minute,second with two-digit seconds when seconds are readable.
7,29
